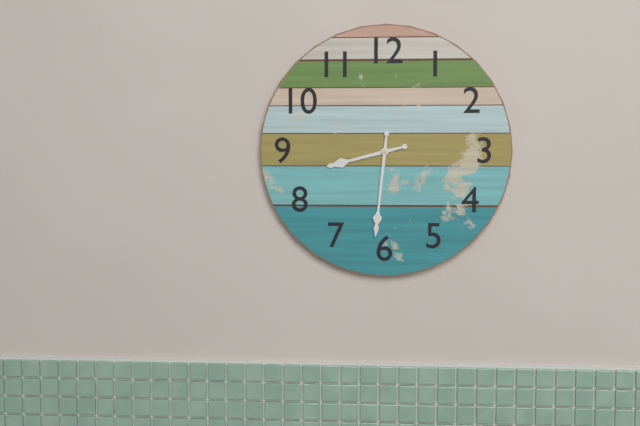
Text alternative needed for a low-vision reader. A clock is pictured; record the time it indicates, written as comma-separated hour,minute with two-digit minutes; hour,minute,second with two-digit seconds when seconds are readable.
8,31
